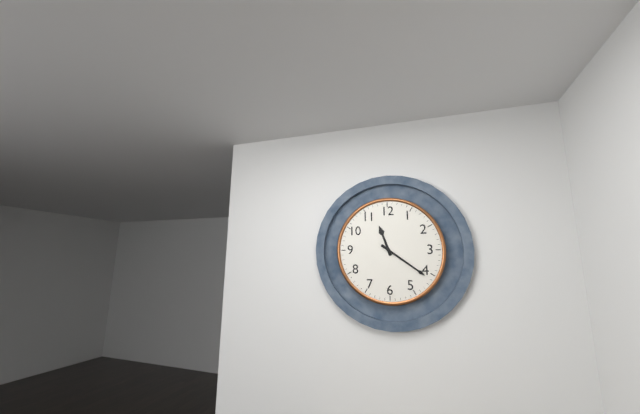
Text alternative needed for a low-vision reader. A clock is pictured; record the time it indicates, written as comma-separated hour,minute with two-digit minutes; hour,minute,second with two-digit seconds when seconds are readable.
11,21
